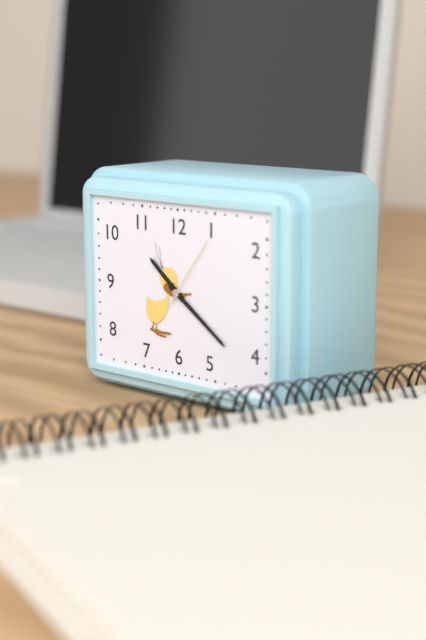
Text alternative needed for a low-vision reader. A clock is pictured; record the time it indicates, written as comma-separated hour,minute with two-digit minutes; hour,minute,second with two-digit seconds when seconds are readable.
10,21,06
